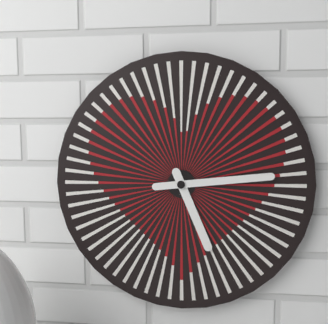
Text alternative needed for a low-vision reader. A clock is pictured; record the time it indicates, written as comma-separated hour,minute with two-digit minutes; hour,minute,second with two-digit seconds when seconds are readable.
5,14
